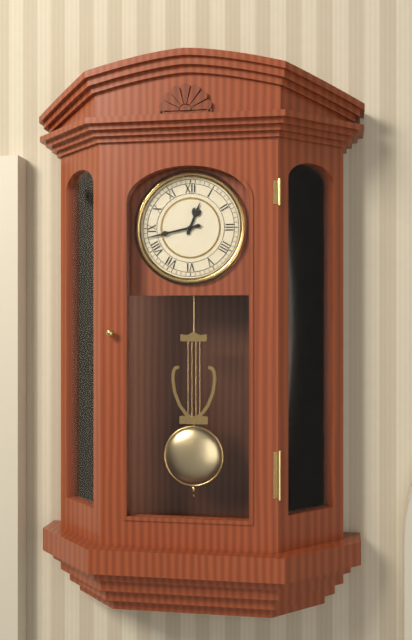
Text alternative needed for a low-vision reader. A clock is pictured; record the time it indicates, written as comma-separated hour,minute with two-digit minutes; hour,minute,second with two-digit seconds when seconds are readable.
12,43
